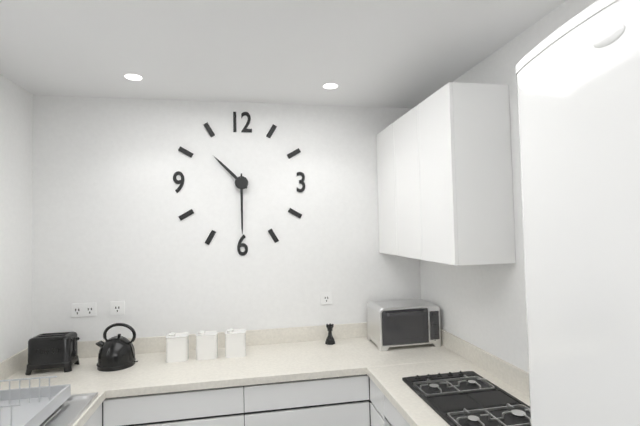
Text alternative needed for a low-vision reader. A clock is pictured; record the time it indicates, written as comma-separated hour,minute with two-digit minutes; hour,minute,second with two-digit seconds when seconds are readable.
10,30
